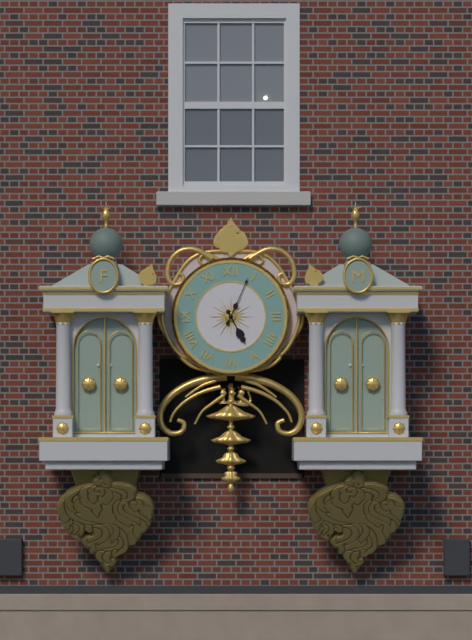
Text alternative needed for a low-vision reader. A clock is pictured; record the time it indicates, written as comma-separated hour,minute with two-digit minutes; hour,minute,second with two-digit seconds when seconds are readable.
5,04
